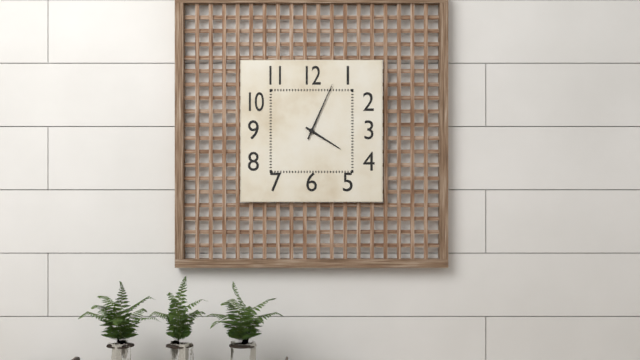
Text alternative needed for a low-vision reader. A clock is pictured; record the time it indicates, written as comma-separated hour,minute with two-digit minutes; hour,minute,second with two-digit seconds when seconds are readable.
4,04
